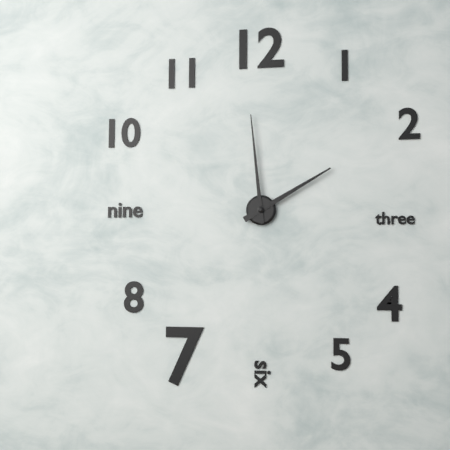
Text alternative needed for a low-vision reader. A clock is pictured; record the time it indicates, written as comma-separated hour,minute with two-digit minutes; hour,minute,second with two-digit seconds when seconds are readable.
1,59
